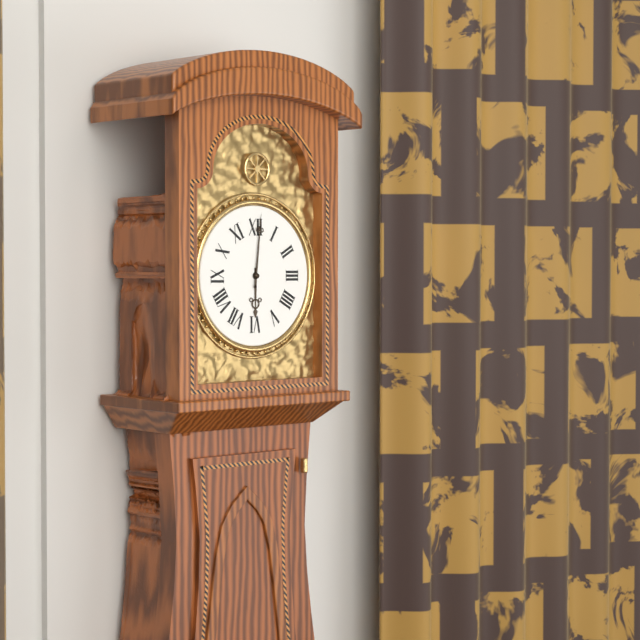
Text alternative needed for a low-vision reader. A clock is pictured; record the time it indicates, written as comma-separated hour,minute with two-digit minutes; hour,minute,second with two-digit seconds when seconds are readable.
6,01
